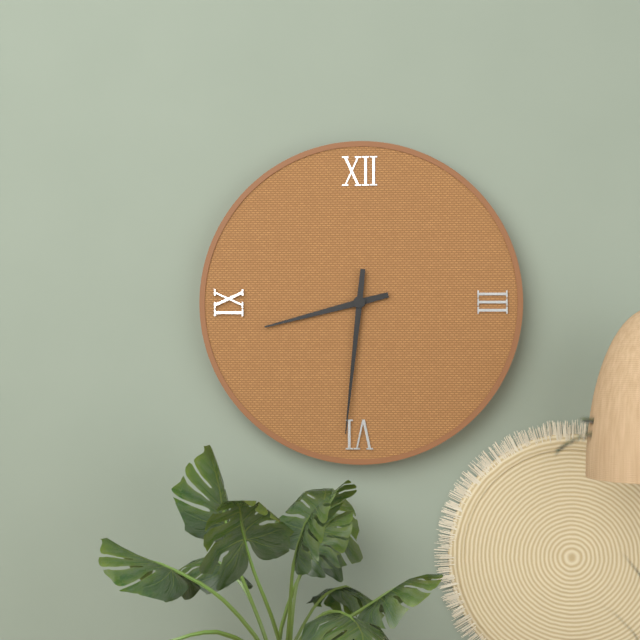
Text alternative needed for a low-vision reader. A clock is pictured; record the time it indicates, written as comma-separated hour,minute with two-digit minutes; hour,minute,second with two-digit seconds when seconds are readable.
8,31
